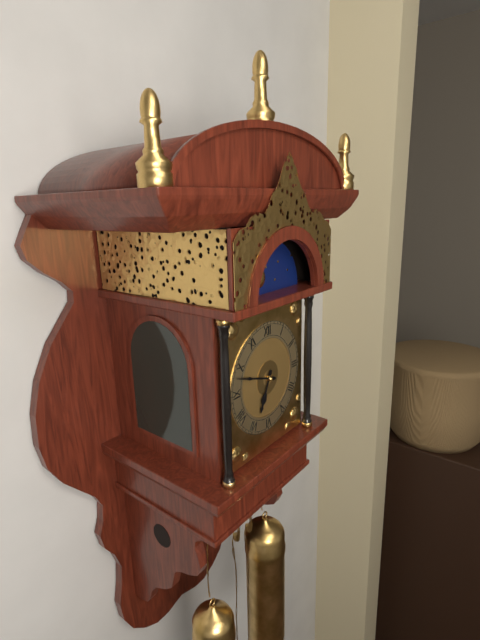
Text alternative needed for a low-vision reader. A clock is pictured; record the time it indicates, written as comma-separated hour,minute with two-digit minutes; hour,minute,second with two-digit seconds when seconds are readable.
6,48
